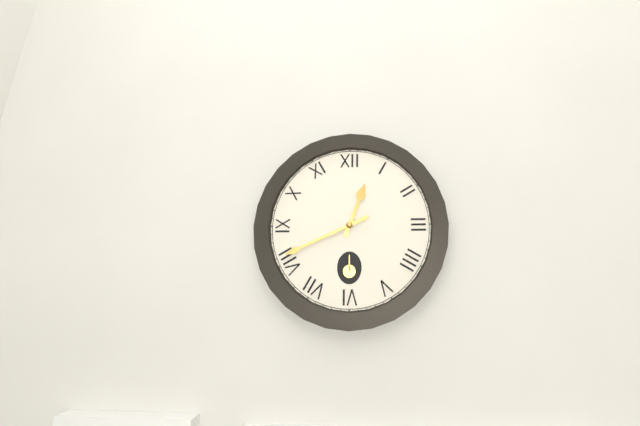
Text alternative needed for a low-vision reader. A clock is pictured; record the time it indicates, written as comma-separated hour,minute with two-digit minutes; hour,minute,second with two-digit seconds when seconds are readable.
12,41
